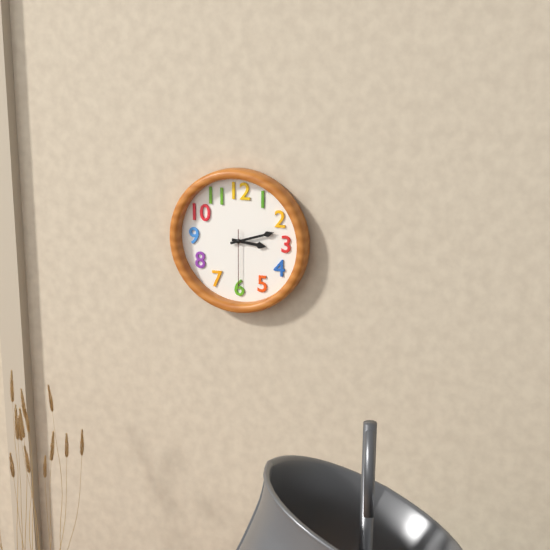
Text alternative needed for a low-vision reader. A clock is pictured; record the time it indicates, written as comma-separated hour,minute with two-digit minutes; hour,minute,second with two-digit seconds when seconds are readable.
3,12,30
